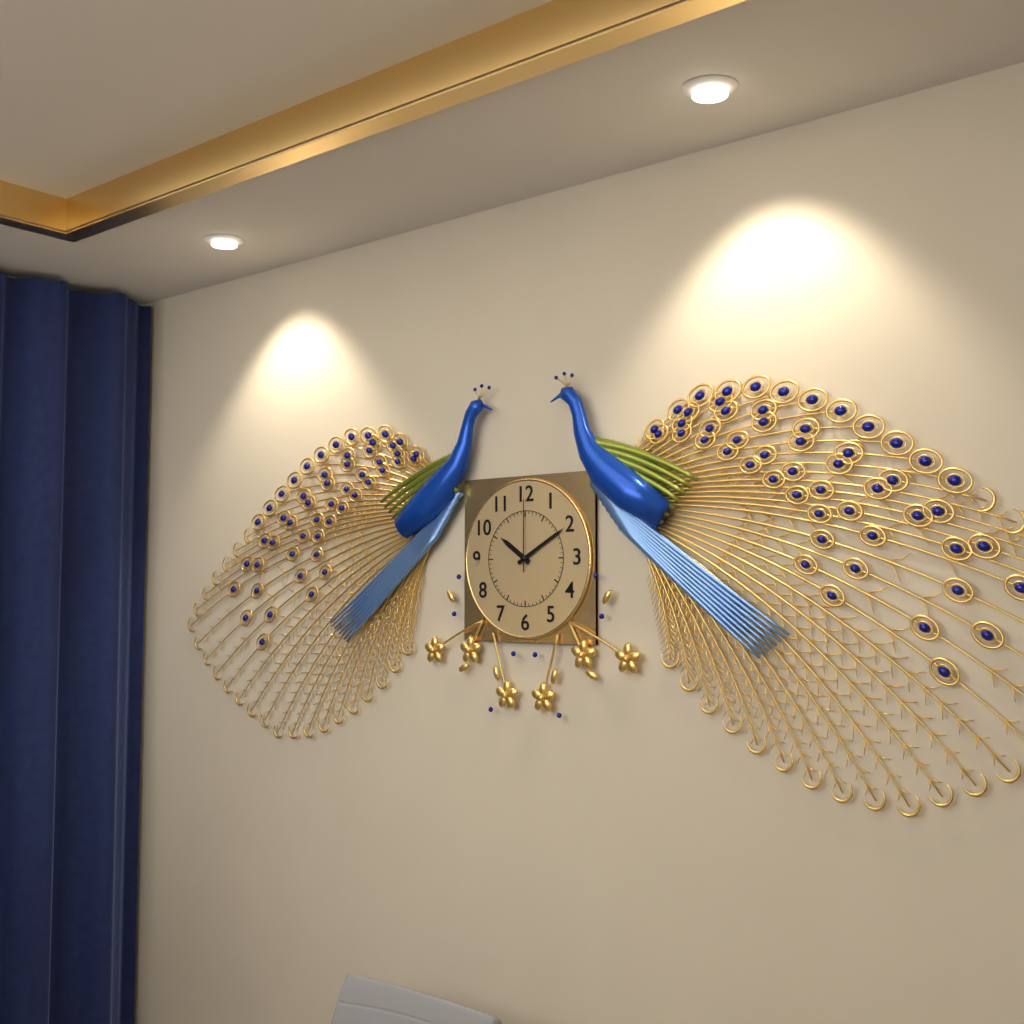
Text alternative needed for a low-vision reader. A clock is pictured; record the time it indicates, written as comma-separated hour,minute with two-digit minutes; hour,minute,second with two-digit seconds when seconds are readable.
10,10,00
